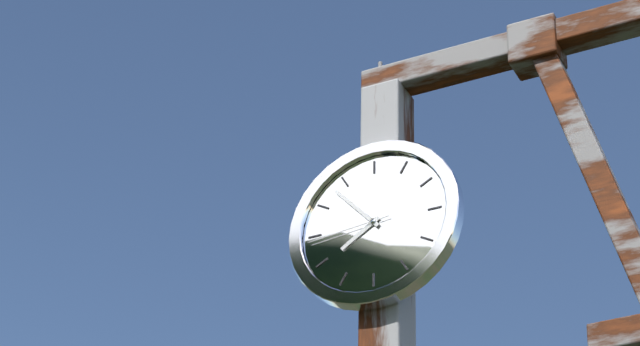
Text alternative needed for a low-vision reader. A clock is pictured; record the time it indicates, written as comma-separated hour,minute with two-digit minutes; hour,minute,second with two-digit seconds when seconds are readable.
7,53,44
